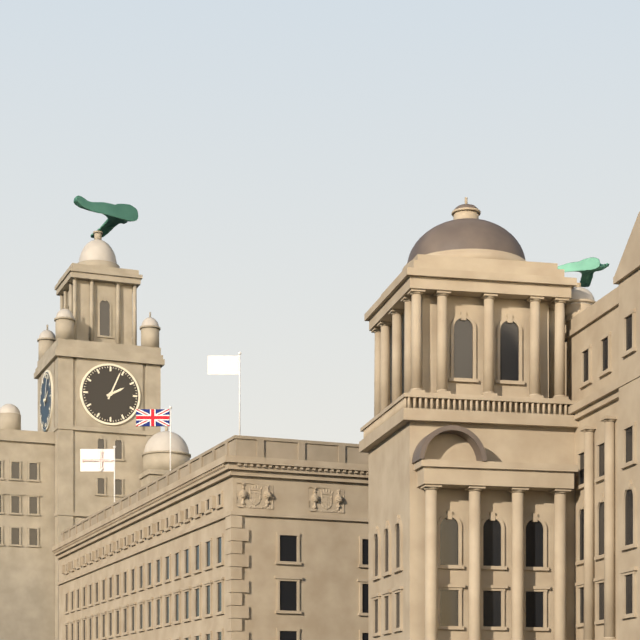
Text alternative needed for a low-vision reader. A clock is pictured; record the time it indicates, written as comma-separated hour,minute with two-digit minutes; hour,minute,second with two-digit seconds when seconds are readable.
2,04
